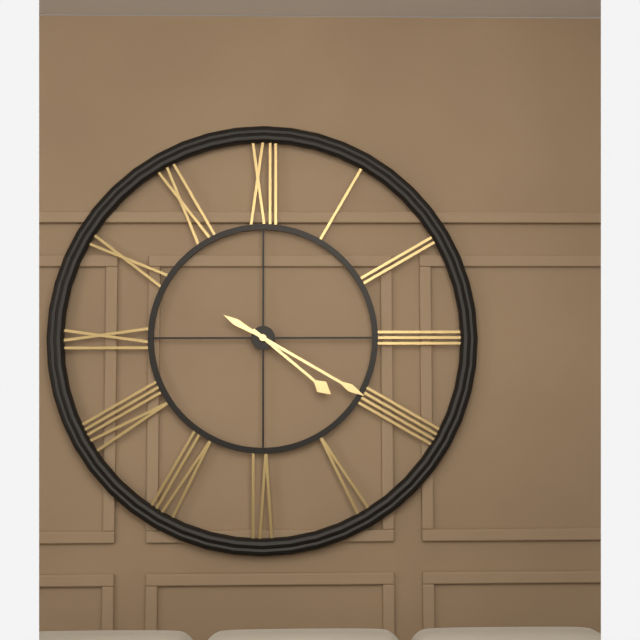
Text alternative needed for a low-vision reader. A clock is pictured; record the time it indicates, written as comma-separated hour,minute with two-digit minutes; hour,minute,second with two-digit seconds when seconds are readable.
4,20
